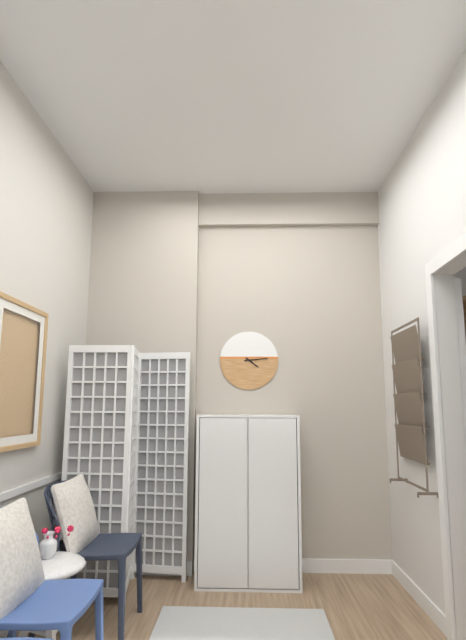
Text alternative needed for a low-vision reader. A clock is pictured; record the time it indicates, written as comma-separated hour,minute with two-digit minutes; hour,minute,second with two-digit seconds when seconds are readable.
4,14
